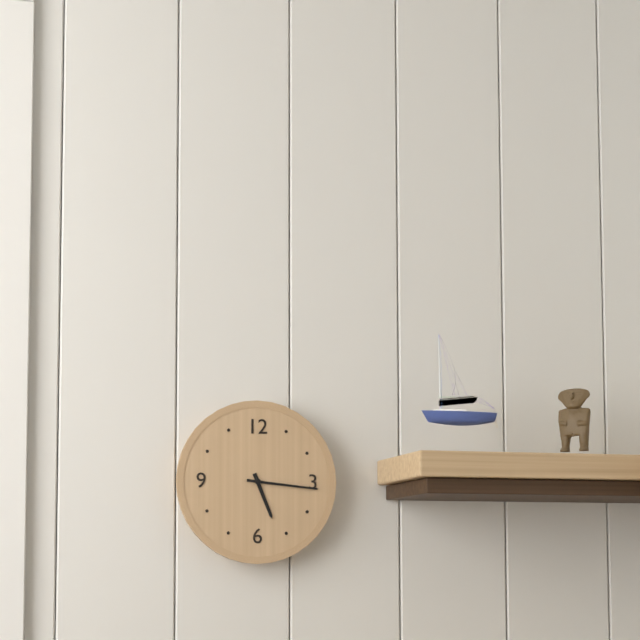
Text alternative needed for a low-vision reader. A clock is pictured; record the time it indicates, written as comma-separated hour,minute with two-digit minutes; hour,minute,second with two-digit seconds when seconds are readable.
5,16
